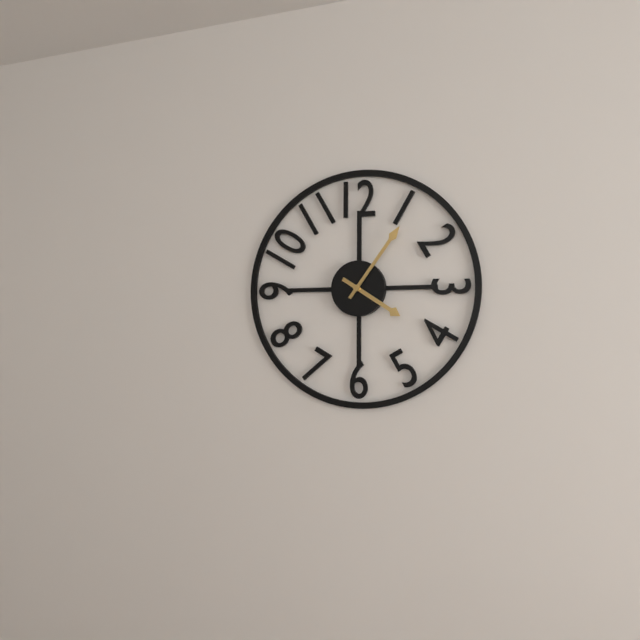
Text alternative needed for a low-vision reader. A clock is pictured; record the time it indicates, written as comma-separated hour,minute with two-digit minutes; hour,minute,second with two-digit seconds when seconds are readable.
4,06
